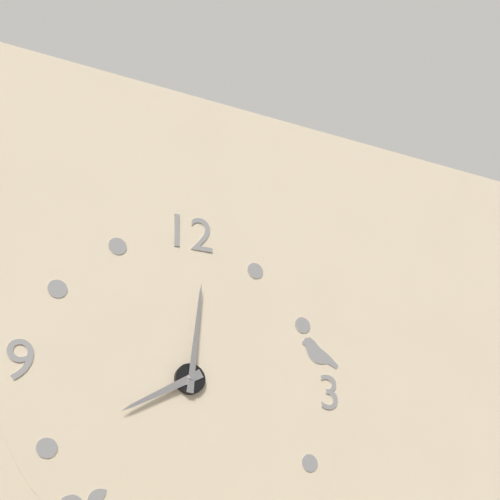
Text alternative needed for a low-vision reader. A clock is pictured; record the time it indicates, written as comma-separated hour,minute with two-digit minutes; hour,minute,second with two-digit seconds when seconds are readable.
8,01
